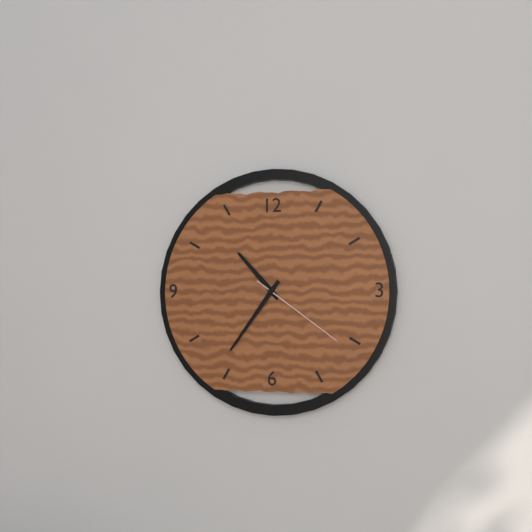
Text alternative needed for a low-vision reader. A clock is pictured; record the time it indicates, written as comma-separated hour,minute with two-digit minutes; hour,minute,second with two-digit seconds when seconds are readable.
10,36,21
